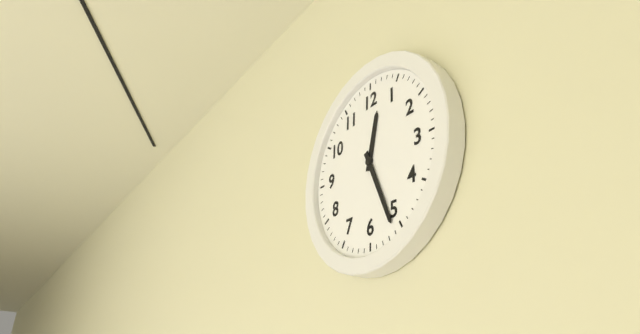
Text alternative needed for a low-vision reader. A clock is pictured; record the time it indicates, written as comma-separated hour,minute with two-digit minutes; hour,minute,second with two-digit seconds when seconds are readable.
12,26
